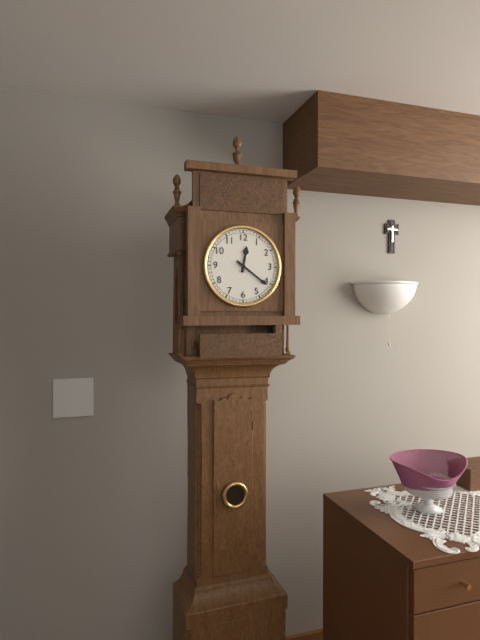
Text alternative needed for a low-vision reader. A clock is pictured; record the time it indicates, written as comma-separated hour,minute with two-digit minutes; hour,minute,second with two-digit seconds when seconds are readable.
12,21
